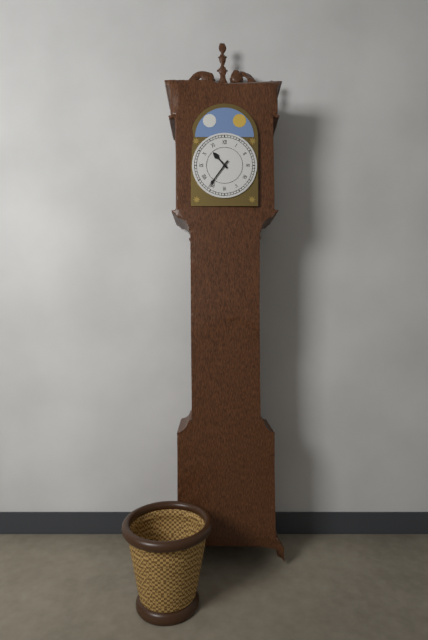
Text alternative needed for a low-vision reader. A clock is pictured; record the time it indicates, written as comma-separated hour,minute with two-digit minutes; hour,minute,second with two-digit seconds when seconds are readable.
10,36
